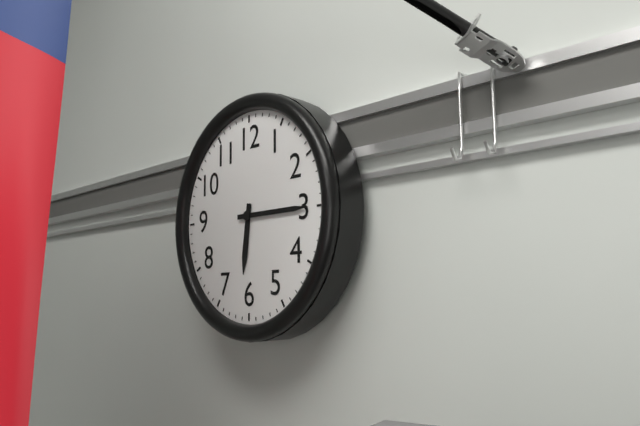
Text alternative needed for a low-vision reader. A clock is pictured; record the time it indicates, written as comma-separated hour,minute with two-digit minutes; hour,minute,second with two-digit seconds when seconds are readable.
6,15
